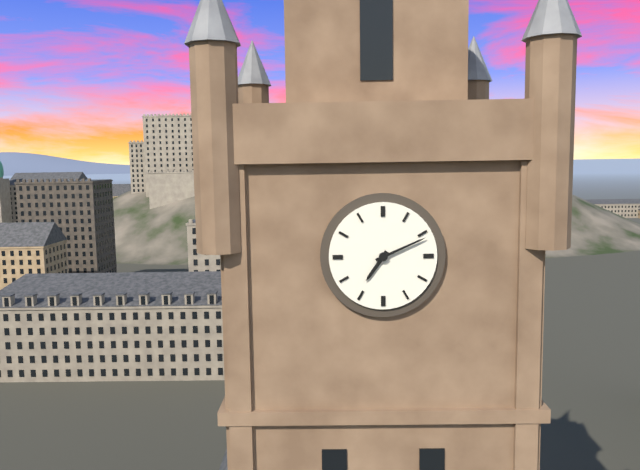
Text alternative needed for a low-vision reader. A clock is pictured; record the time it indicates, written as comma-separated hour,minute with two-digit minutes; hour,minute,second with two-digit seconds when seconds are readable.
7,11
